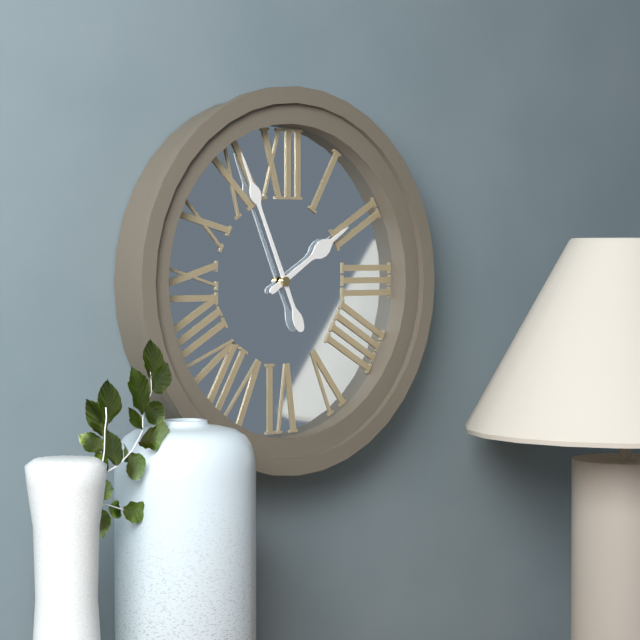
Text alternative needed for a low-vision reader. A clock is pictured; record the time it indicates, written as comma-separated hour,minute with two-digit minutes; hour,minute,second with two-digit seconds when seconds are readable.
1,56
